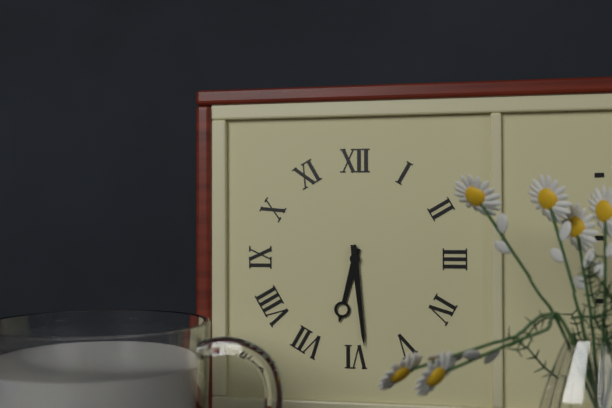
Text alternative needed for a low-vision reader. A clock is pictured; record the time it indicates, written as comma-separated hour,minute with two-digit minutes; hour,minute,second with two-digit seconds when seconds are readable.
6,29
